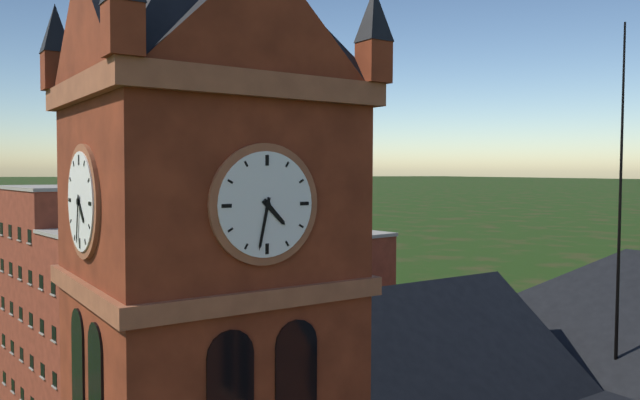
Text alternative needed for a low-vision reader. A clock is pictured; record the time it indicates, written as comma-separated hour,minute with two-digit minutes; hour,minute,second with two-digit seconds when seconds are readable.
4,32
